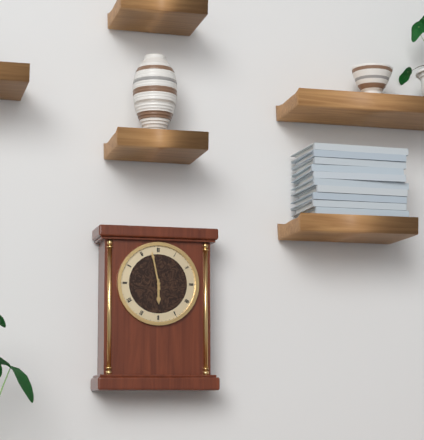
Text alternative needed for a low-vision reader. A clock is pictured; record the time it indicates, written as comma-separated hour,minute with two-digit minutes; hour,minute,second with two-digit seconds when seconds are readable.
5,58
